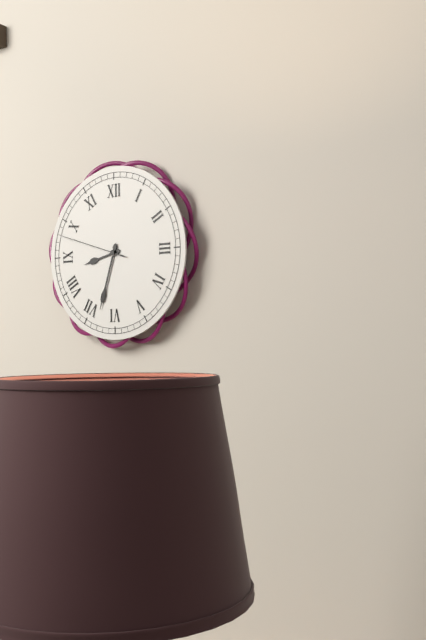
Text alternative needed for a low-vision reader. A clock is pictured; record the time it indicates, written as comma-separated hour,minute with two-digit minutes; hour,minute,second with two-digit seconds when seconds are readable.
8,33,48
